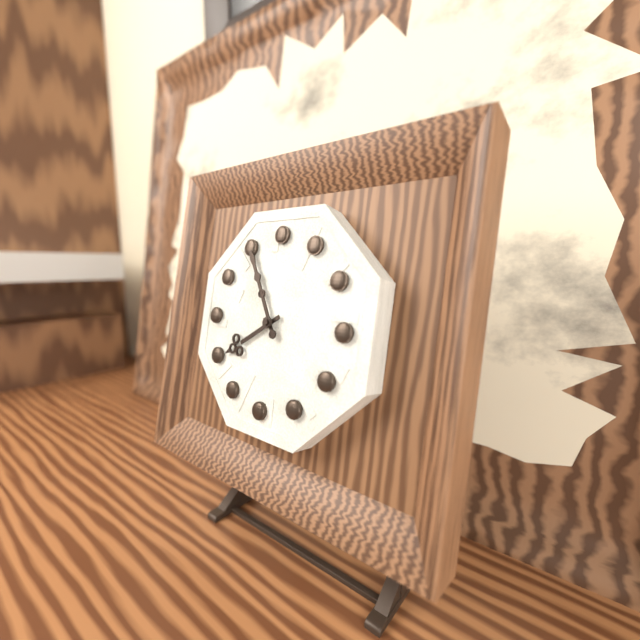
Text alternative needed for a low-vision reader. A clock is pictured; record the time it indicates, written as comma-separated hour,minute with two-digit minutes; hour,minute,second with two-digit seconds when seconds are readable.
7,55
